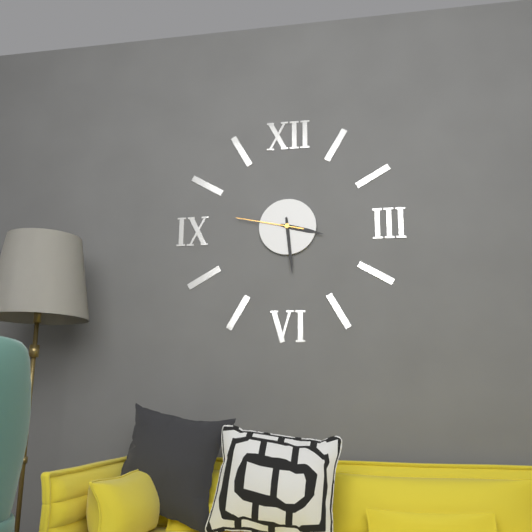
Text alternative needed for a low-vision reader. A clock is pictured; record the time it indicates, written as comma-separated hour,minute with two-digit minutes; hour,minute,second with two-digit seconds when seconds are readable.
3,29,47
